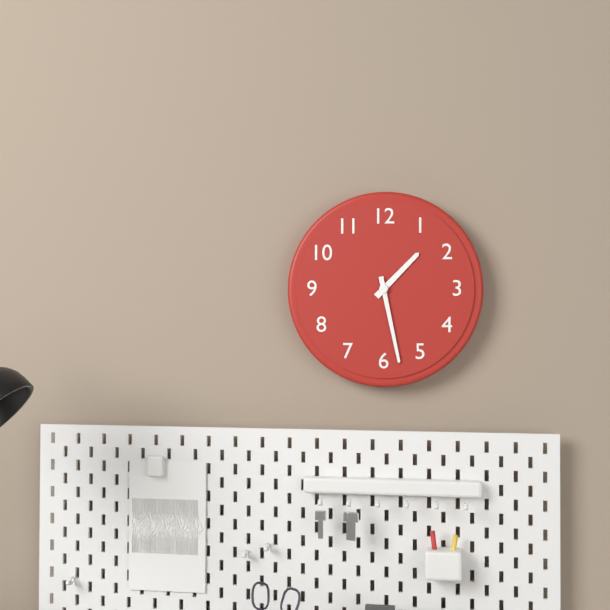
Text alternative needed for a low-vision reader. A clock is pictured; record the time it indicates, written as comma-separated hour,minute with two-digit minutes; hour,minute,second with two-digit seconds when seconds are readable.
1,28
